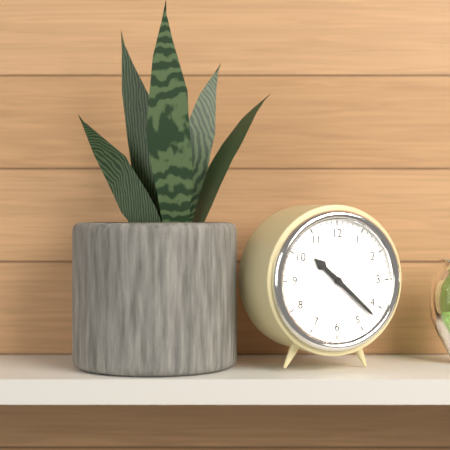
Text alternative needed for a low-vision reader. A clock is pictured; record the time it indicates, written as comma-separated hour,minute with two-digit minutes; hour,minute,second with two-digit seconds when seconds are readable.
10,22
